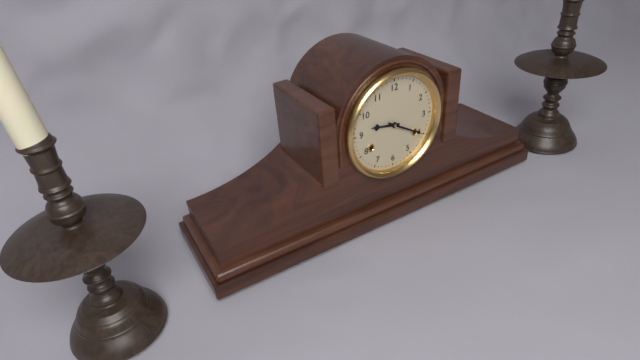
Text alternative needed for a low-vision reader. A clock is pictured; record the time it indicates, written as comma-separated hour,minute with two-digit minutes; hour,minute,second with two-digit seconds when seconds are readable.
9,20
